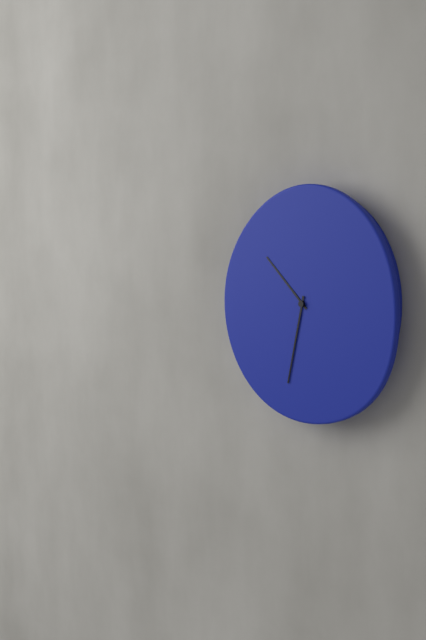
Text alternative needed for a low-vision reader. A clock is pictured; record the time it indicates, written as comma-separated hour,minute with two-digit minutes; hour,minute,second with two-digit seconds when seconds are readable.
10,32
